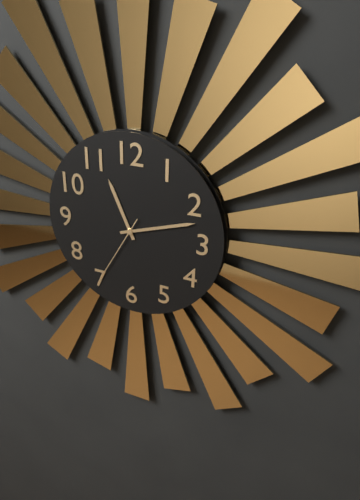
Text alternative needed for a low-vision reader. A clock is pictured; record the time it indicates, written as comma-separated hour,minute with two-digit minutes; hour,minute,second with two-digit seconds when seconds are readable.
11,12,35
